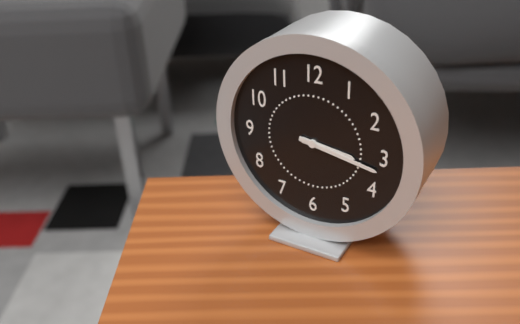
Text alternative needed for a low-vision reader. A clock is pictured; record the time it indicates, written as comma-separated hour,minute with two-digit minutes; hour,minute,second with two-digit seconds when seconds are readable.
3,17
